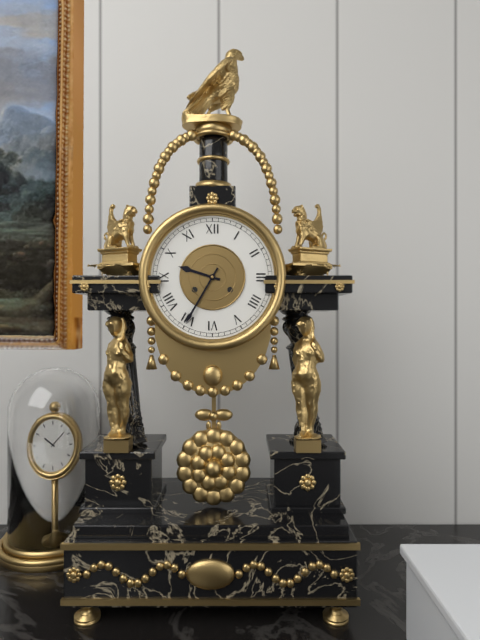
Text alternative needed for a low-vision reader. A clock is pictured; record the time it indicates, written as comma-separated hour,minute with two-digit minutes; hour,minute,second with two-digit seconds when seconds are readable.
9,35
